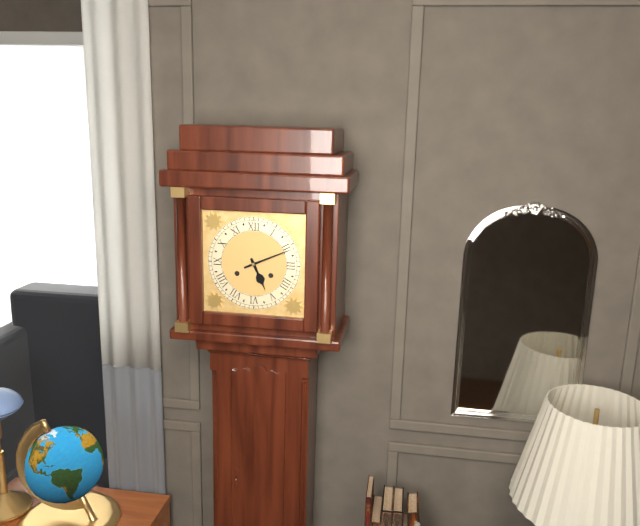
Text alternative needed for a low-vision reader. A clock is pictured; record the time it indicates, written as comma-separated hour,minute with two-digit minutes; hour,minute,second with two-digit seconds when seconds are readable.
5,11
